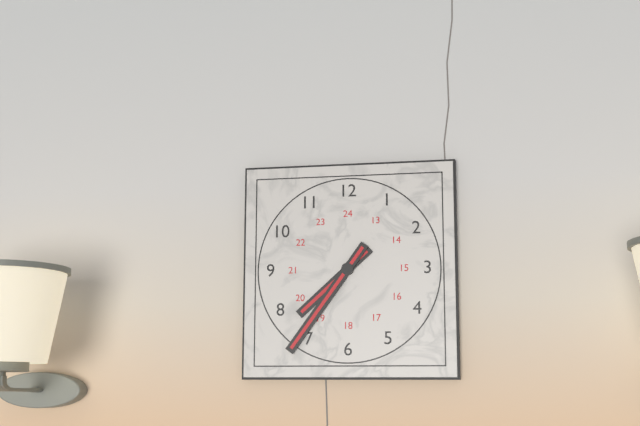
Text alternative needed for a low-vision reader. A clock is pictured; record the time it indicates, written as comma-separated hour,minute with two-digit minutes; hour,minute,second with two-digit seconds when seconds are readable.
7,36
